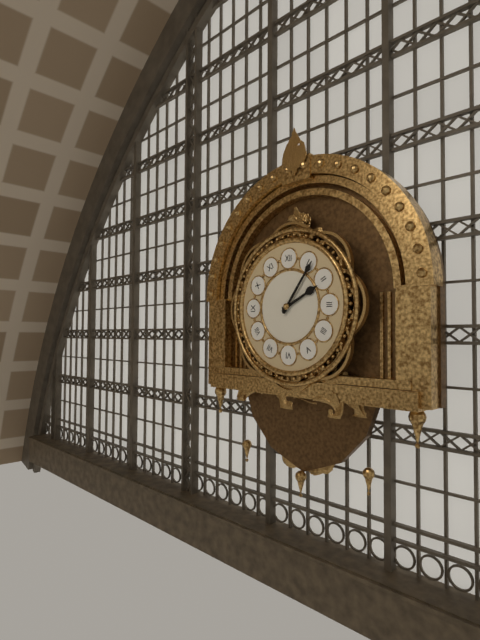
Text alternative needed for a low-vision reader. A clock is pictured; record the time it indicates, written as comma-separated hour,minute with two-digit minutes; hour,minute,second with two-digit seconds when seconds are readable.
2,06
